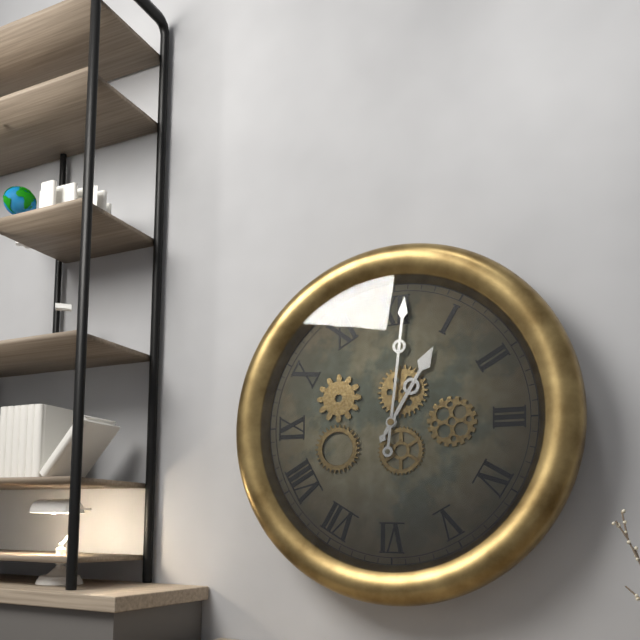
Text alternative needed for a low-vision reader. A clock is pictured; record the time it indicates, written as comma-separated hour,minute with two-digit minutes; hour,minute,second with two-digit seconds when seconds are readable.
1,01
